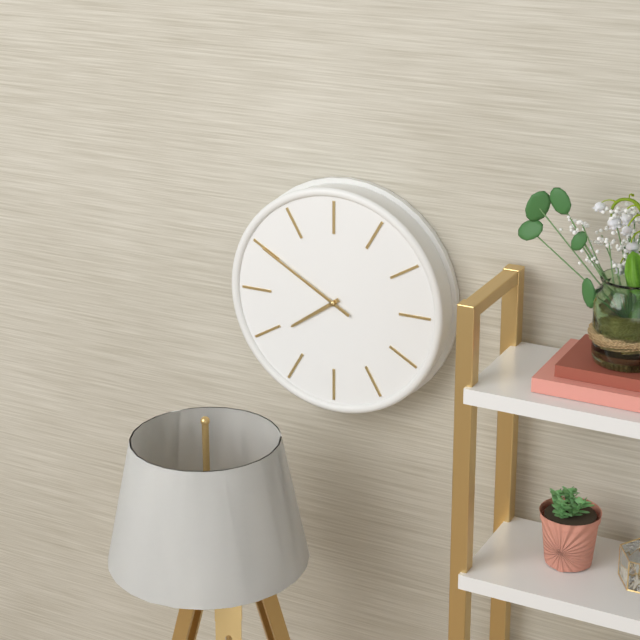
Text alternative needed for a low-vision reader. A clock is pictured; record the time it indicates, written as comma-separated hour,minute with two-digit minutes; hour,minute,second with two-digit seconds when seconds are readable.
7,50
